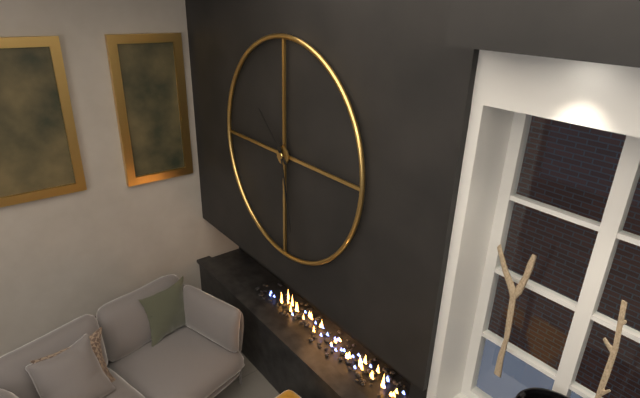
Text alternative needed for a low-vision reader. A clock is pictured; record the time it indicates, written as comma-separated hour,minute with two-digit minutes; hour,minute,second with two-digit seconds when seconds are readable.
10,28
